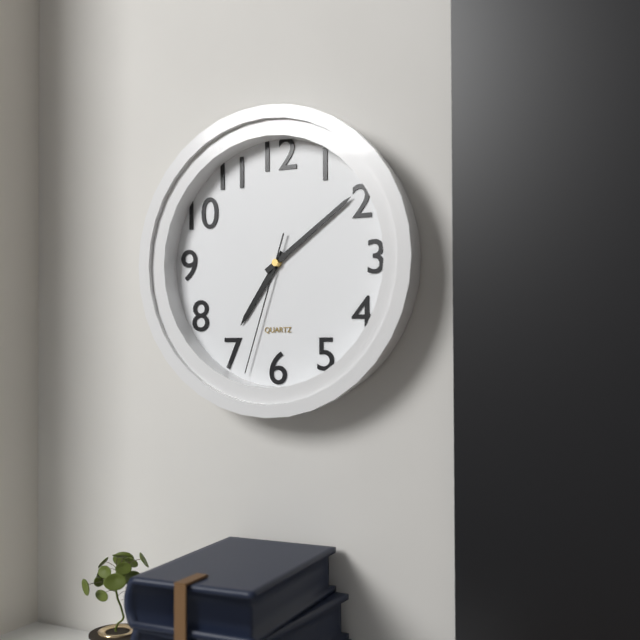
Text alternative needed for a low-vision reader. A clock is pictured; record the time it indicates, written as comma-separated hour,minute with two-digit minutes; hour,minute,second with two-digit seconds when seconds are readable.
7,09,33
